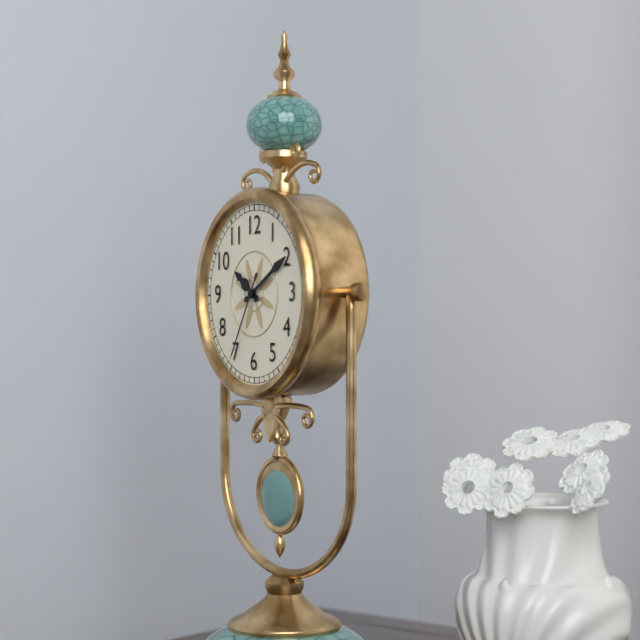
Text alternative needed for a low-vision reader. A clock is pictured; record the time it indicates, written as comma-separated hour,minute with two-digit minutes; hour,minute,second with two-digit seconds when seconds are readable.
10,10,35
